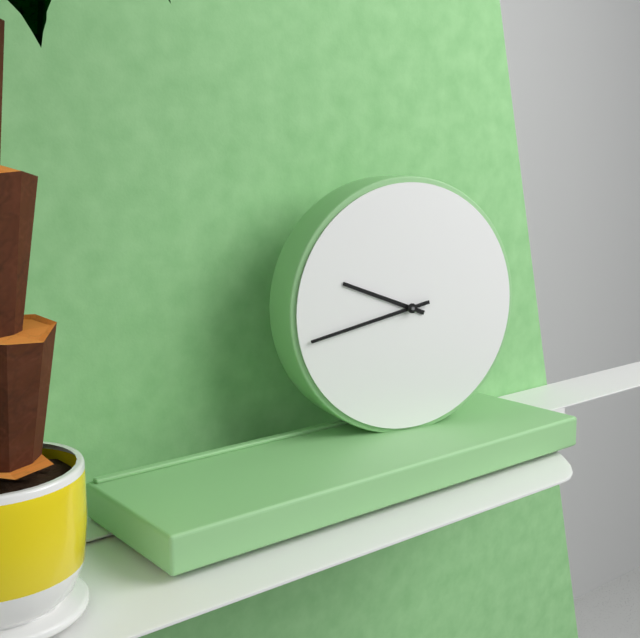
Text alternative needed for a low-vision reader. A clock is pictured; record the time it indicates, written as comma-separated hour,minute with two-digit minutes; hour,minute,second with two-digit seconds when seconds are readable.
9,43
